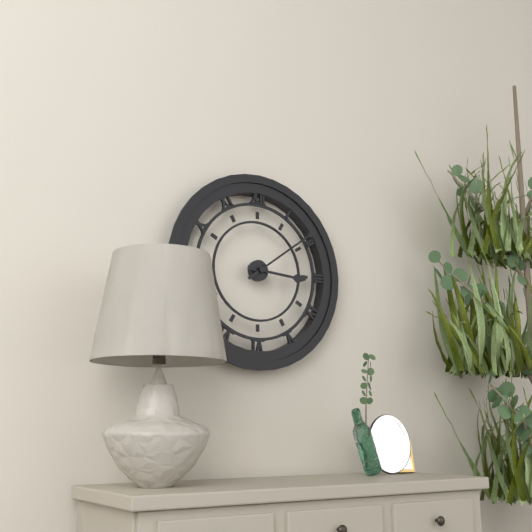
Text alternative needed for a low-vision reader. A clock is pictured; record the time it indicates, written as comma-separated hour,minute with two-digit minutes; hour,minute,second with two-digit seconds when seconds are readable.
3,09
